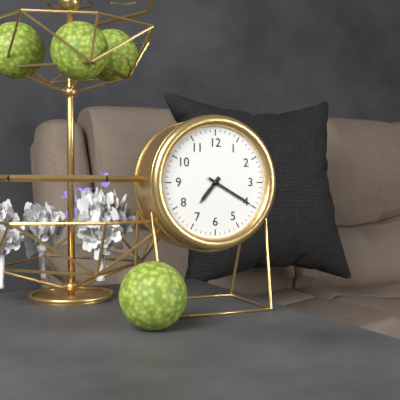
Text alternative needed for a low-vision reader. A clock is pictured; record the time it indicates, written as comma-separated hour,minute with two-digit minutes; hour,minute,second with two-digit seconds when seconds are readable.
7,20
